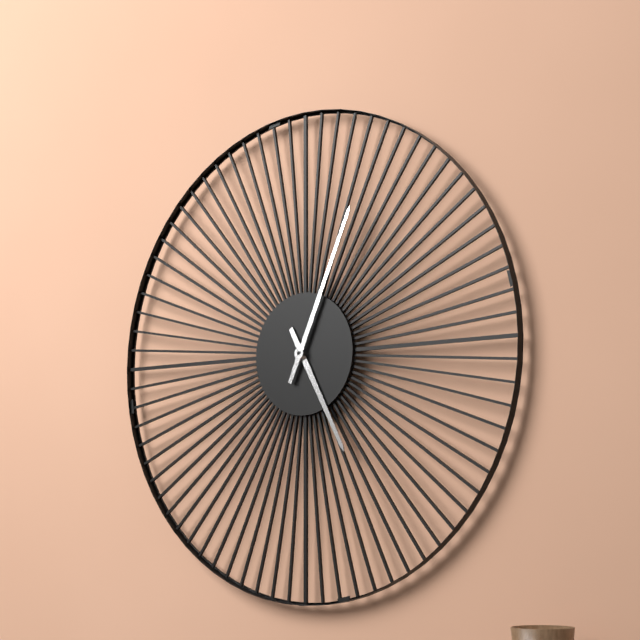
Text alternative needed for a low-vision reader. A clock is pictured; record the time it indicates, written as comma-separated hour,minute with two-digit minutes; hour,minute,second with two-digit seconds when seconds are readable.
5,04
